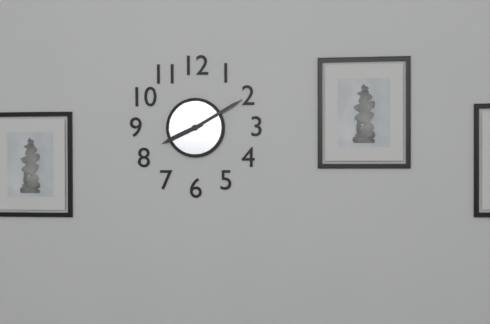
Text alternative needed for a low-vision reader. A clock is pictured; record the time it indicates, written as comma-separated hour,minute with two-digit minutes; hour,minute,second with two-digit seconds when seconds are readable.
8,10
